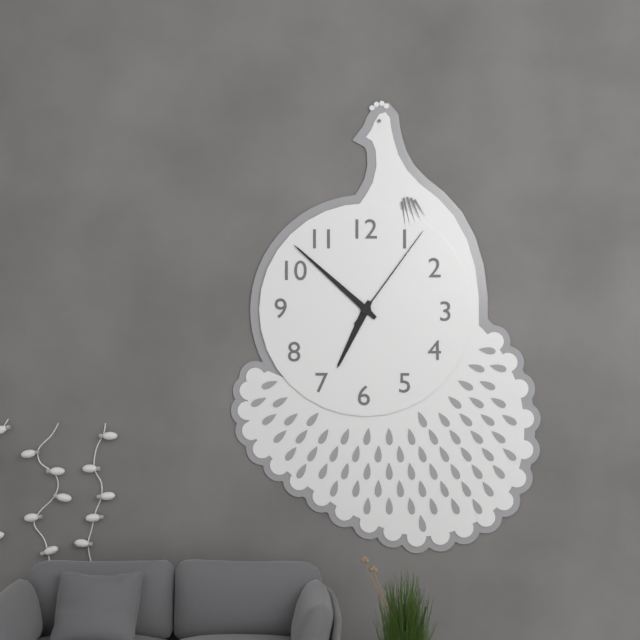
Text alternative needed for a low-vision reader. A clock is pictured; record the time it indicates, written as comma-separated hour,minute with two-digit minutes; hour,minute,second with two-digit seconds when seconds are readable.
6,52,06
